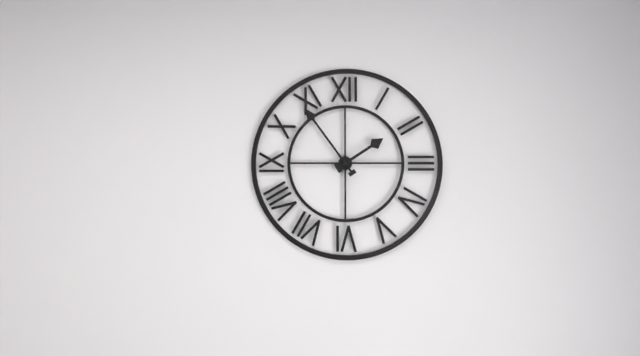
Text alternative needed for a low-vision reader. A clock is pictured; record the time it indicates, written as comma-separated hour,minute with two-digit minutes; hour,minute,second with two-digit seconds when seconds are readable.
1,54
